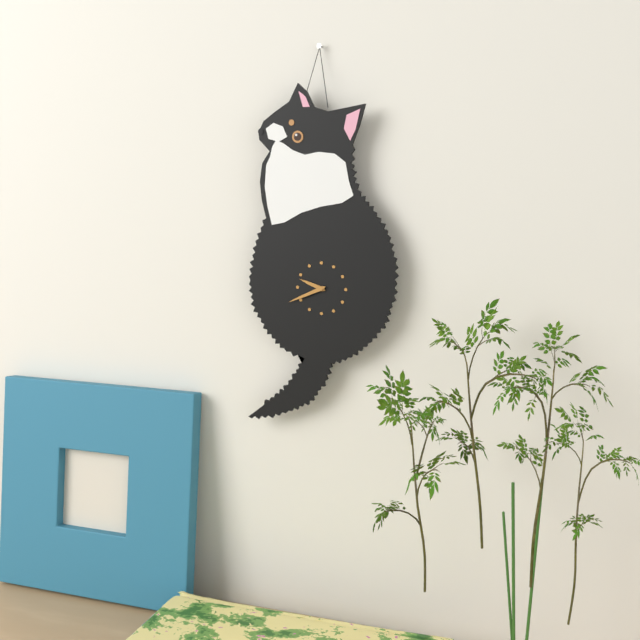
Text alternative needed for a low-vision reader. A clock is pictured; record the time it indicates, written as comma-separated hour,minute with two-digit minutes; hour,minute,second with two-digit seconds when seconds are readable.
9,41
